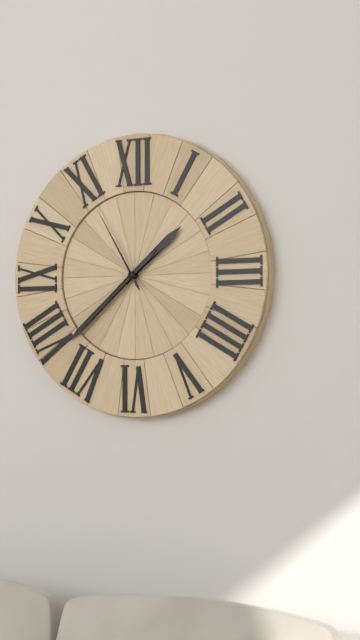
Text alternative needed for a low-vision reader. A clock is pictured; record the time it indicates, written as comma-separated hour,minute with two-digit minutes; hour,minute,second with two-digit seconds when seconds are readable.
1,38,55
